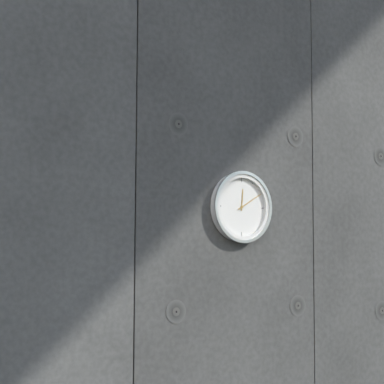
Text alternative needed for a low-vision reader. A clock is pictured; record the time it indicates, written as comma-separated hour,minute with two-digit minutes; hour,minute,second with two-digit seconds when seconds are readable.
12,10
